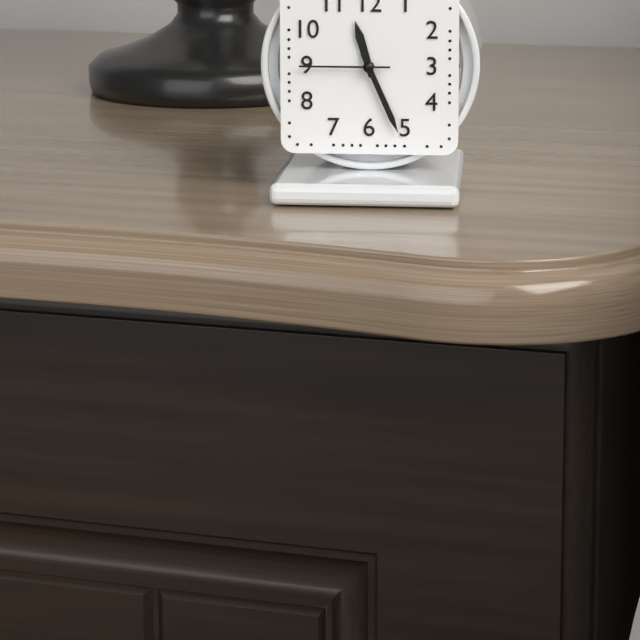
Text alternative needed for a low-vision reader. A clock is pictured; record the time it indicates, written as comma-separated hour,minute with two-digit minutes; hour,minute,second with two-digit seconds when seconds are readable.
11,26,45
